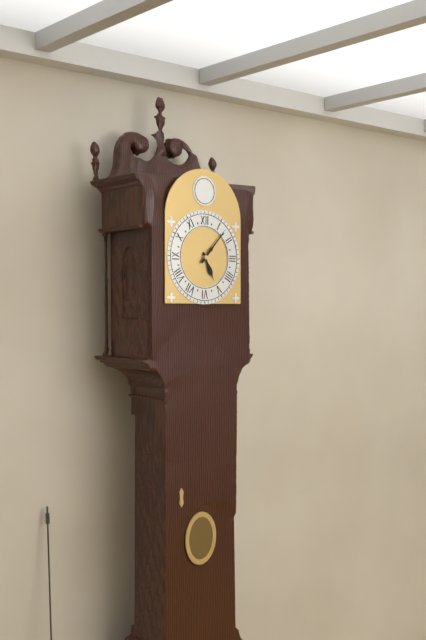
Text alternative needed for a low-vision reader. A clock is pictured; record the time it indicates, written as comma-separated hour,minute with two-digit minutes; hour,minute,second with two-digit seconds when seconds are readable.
5,07
